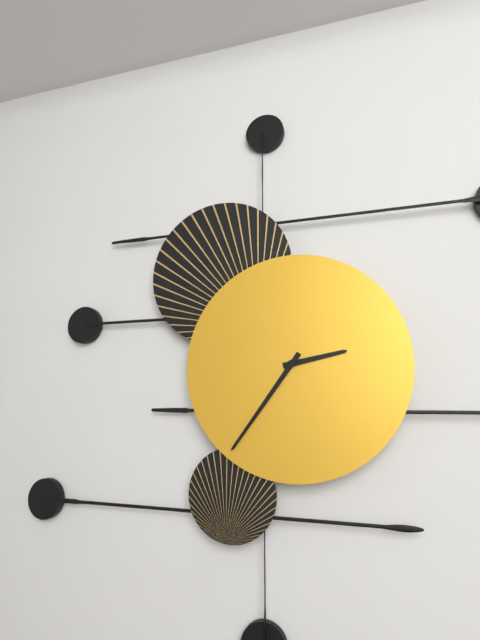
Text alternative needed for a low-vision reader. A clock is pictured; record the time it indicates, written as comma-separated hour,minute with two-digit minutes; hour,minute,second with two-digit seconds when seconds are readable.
2,36
